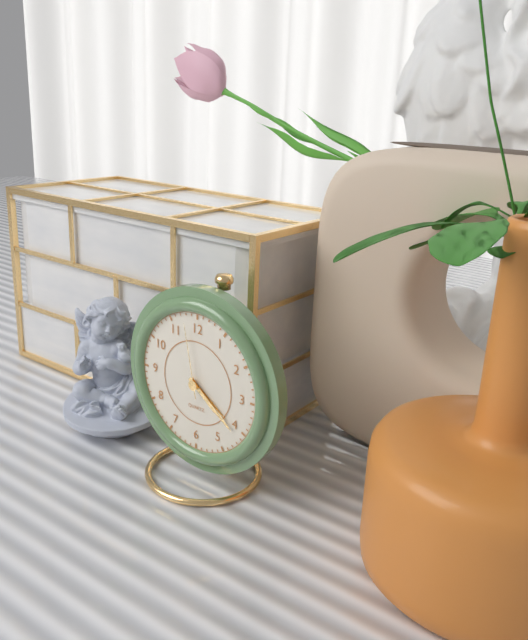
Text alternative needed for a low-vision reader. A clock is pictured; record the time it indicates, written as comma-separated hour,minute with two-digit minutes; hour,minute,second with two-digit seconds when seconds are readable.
4,21,58
